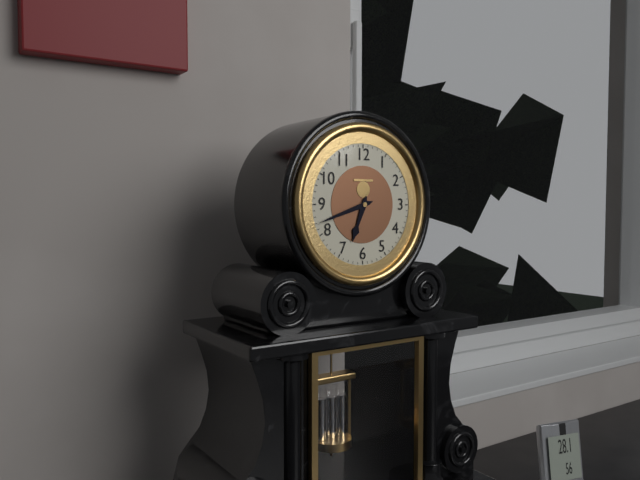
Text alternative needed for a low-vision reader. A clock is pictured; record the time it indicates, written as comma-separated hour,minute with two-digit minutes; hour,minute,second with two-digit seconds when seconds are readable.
6,42
